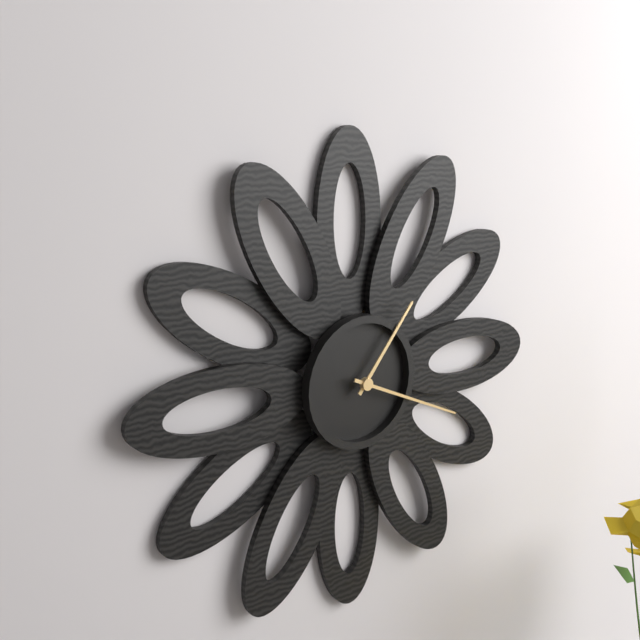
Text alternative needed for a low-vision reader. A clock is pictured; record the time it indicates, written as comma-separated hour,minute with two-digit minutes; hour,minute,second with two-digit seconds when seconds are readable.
1,19
